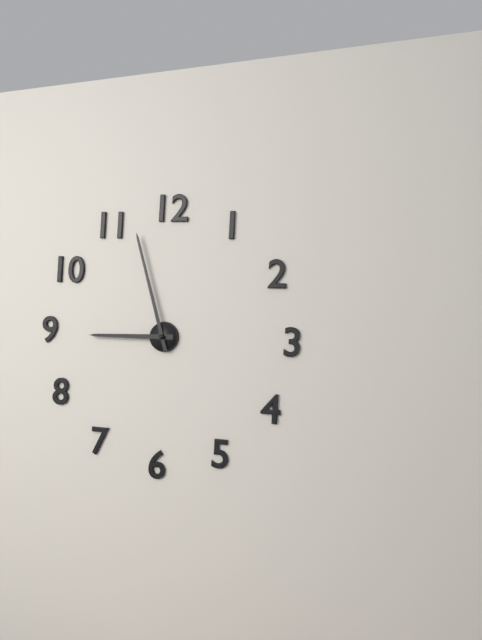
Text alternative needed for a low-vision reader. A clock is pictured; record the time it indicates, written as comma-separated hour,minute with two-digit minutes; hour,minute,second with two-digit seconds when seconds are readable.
8,57
